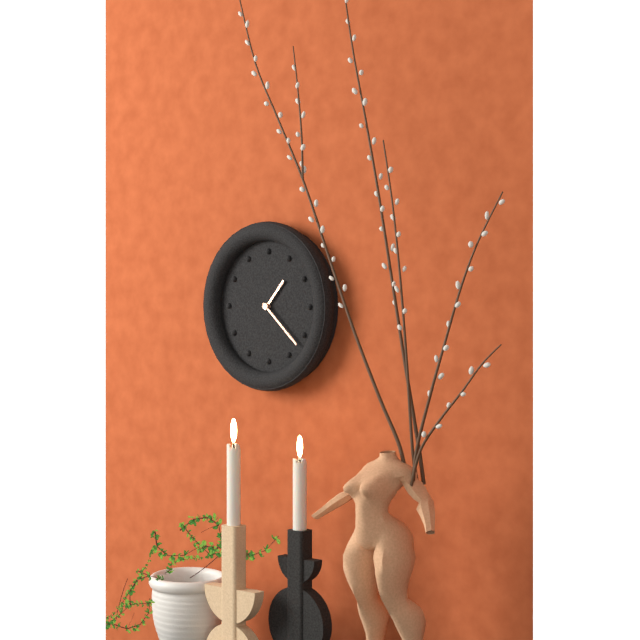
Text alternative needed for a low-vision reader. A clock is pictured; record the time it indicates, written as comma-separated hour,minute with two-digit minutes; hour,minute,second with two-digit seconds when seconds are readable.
1,22
